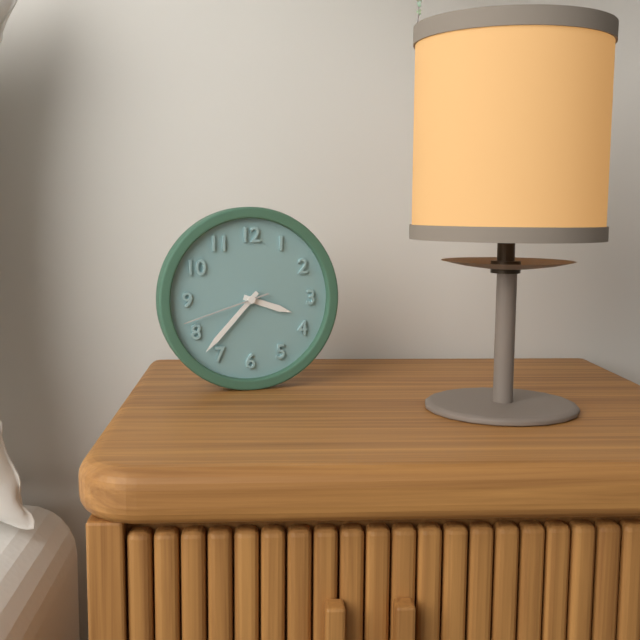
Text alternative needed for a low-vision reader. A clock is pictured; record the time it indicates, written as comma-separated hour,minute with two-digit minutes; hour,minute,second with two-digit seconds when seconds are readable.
3,37,42
